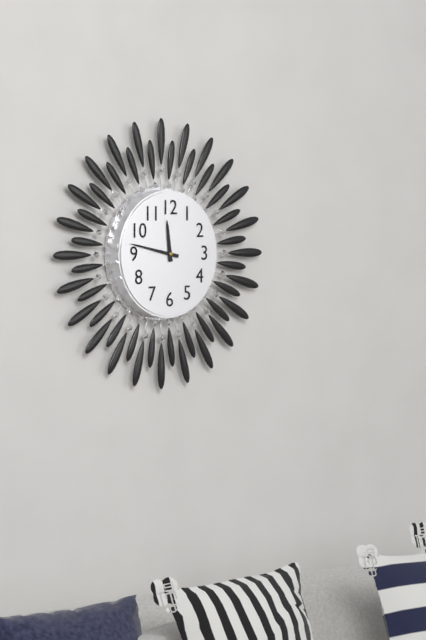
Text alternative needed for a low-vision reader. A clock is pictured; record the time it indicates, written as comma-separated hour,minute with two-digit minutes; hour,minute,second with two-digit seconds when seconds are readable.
11,47
